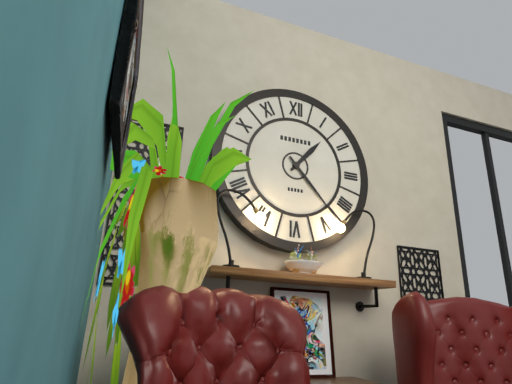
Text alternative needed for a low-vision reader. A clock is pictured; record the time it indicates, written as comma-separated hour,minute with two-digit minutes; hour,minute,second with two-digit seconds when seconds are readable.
1,23
